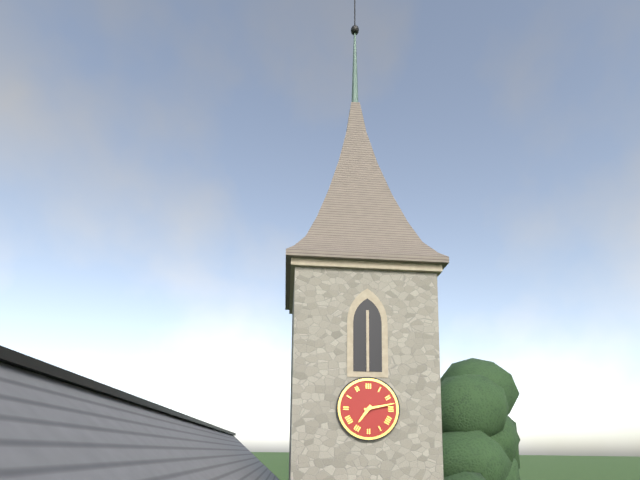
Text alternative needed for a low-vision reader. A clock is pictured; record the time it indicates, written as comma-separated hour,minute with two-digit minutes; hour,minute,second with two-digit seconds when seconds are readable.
7,13
